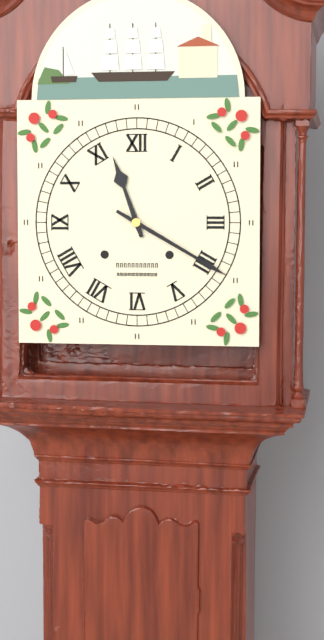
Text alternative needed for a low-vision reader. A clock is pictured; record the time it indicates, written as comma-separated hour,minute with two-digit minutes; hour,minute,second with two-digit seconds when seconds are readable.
11,20
